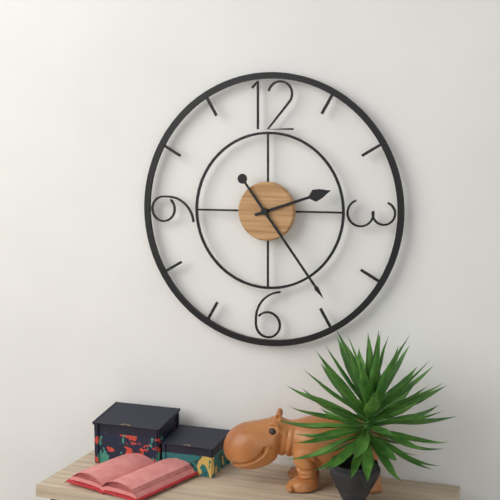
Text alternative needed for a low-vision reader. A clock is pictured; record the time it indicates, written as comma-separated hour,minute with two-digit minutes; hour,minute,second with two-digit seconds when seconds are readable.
2,24
